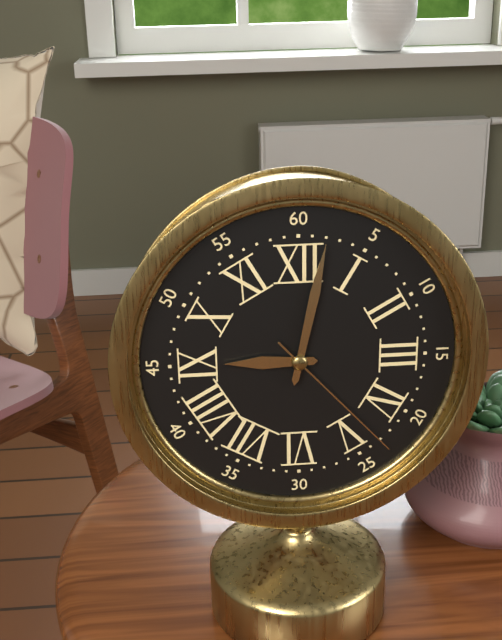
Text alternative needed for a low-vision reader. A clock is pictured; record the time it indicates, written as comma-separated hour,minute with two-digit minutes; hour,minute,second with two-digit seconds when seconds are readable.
9,02,23
